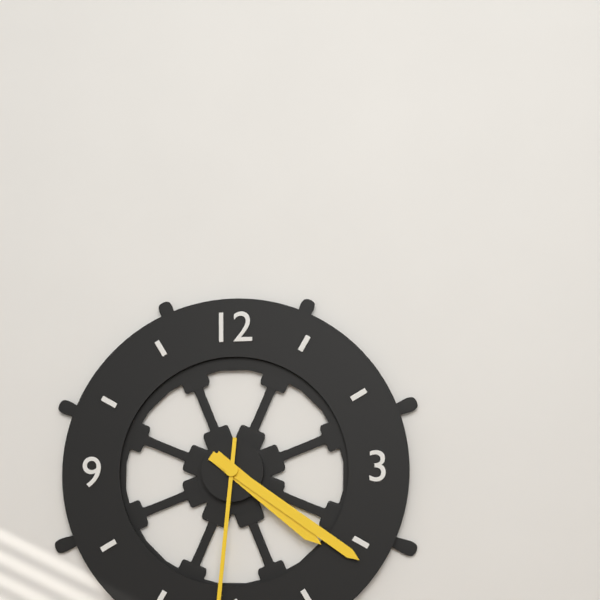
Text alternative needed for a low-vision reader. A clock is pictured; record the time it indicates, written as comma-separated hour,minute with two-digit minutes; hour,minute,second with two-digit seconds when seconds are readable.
4,21
